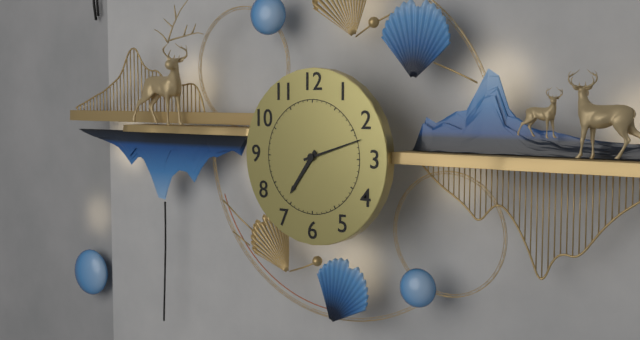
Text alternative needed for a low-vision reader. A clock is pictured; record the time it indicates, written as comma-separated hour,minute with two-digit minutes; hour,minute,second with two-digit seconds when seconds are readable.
7,12
